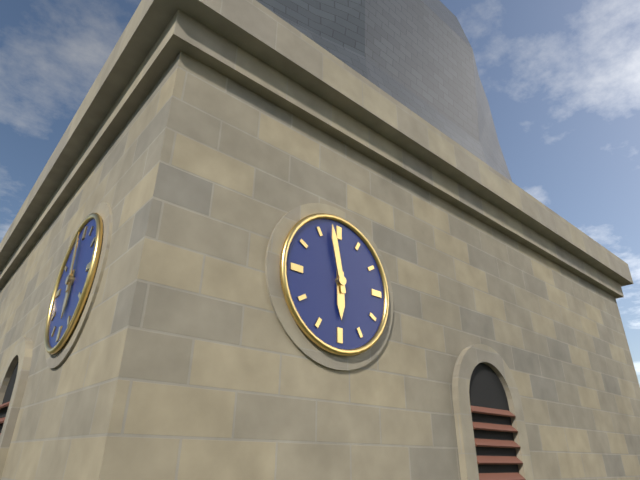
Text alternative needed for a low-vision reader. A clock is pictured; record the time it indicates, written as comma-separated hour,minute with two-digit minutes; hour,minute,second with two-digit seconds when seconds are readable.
5,58
